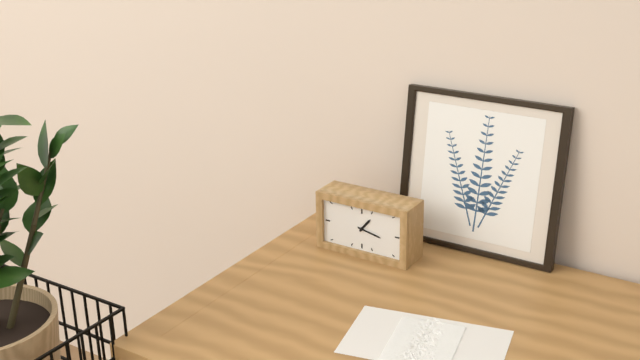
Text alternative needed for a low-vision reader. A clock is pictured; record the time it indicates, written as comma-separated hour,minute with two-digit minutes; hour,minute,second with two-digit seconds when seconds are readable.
1,17
